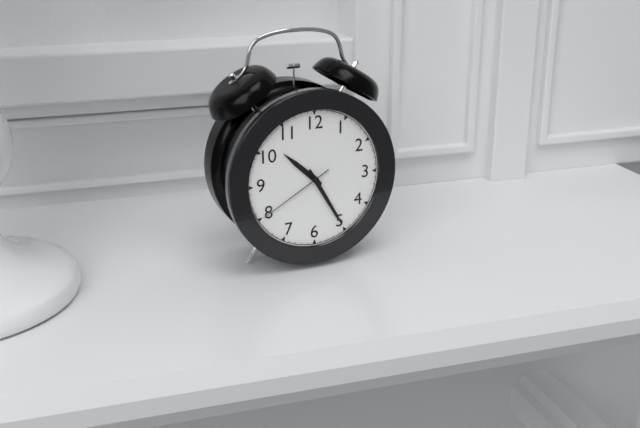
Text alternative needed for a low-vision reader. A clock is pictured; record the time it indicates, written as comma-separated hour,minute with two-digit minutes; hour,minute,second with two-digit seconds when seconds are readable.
10,25,40
